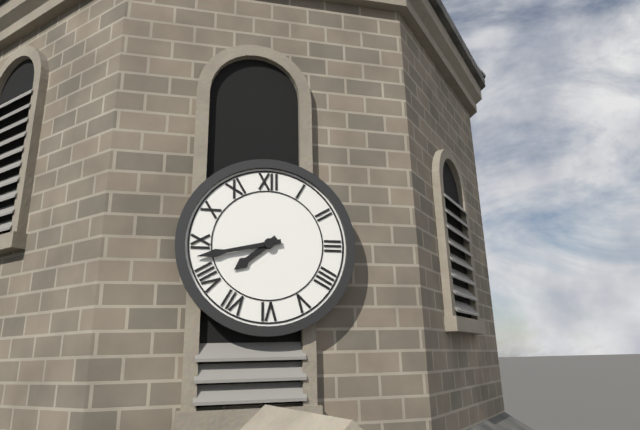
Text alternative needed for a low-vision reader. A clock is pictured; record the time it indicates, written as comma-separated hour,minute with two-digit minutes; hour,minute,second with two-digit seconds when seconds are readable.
7,43
